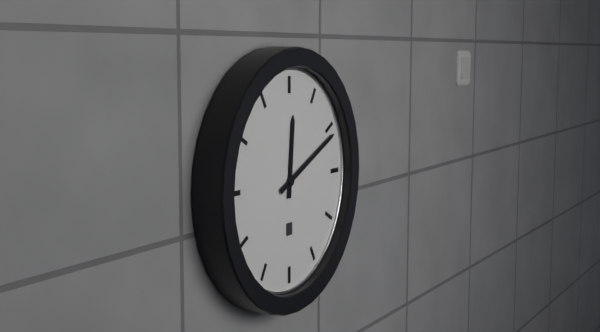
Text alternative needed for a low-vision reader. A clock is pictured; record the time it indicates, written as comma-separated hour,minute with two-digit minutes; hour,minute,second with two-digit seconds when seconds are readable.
12,11
